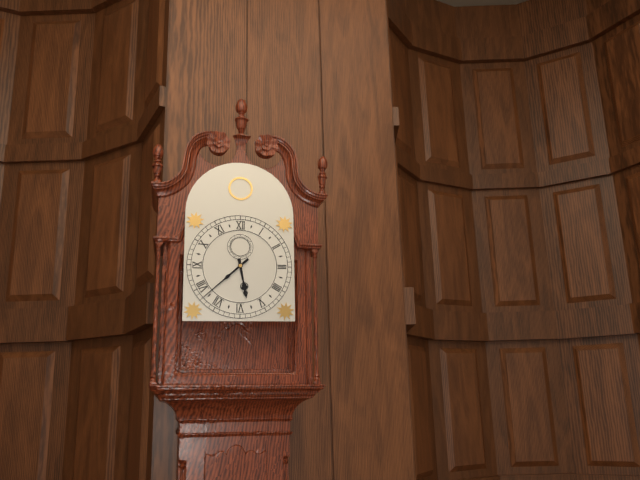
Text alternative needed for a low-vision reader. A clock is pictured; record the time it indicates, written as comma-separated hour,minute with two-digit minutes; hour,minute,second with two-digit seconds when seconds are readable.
5,38
